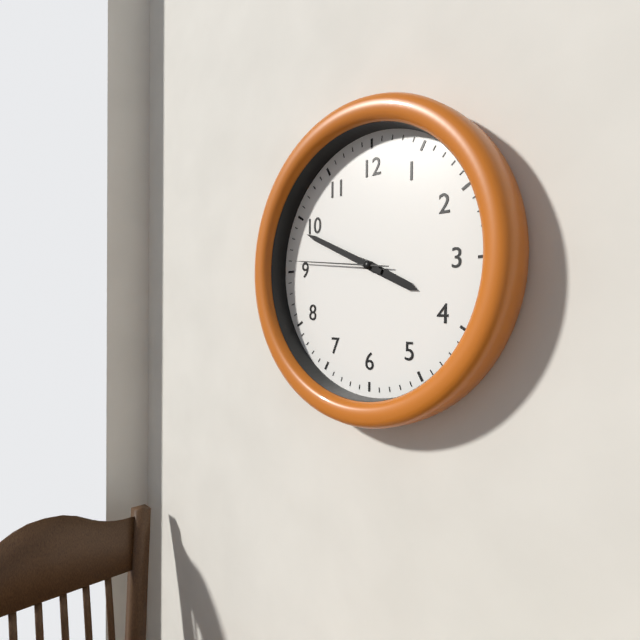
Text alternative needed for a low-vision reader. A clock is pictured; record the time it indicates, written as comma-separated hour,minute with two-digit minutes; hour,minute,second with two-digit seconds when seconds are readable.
3,49,46
